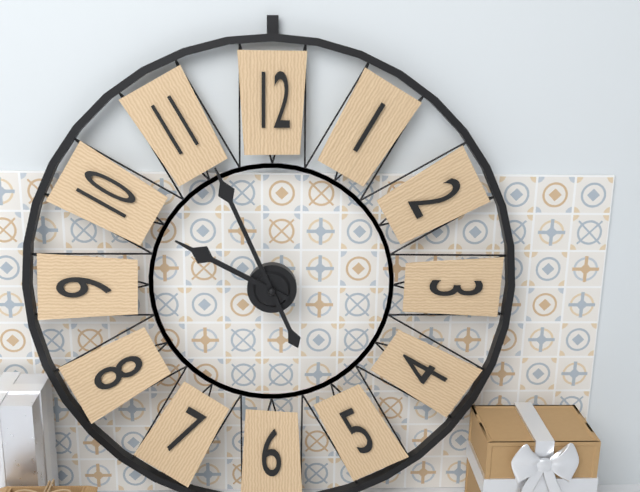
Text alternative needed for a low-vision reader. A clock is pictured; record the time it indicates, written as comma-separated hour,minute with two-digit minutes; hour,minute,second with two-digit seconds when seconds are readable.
9,56
